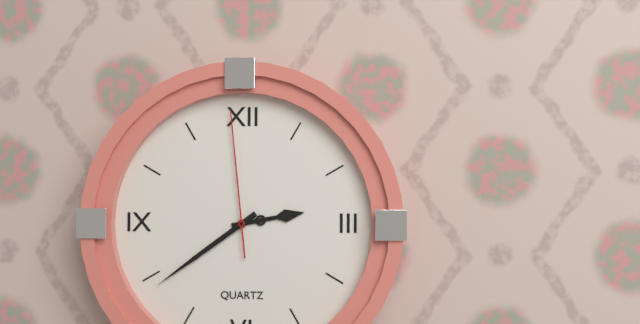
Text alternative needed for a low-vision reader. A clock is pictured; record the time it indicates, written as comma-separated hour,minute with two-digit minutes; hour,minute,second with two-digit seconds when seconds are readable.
2,39,59
